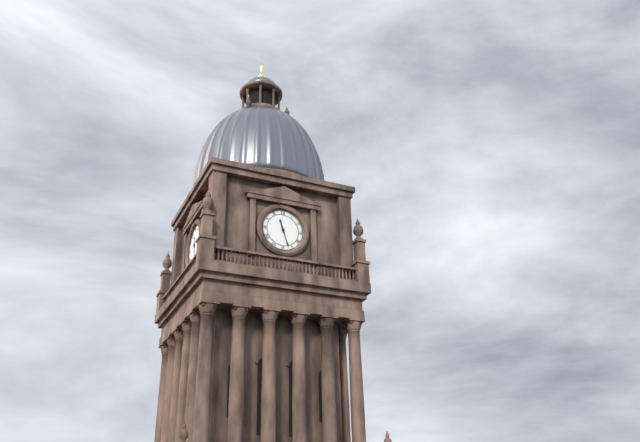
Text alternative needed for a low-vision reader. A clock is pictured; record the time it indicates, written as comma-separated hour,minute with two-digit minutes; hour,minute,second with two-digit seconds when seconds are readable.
11,27
